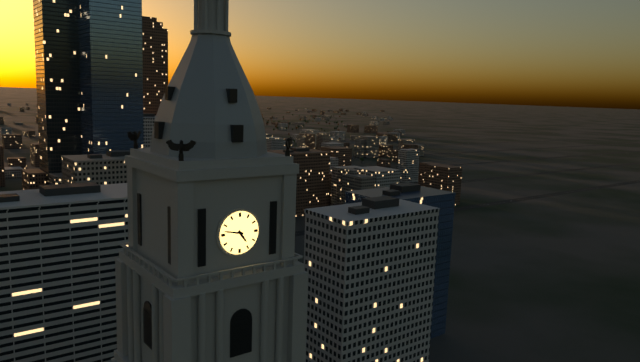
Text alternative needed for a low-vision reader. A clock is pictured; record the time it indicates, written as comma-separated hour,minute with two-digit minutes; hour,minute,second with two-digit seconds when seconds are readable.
4,47
